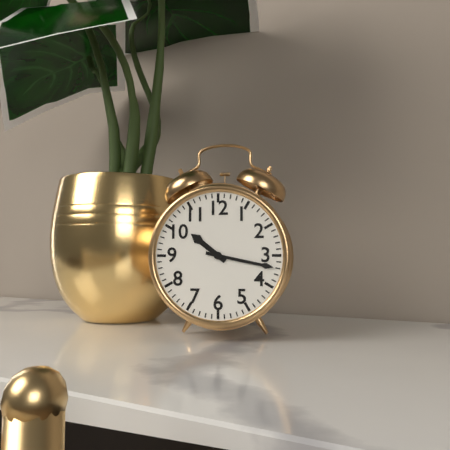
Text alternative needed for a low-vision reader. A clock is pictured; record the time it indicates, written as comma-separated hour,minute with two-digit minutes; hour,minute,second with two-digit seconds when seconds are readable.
10,17
